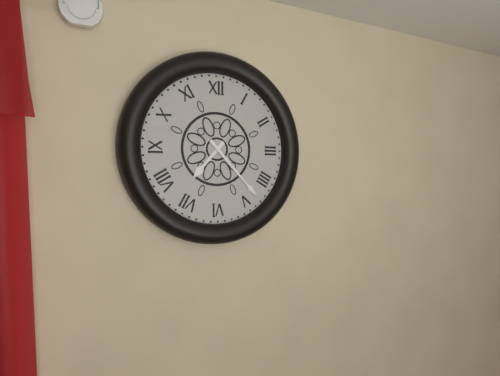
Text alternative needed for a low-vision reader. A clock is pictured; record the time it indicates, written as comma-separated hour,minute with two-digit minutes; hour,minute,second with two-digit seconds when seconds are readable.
7,23
